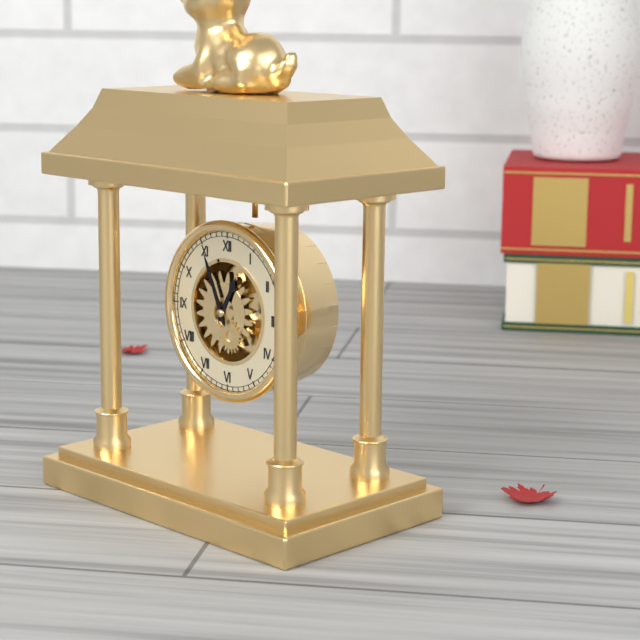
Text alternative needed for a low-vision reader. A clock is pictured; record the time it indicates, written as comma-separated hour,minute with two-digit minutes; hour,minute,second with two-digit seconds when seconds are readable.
12,56
